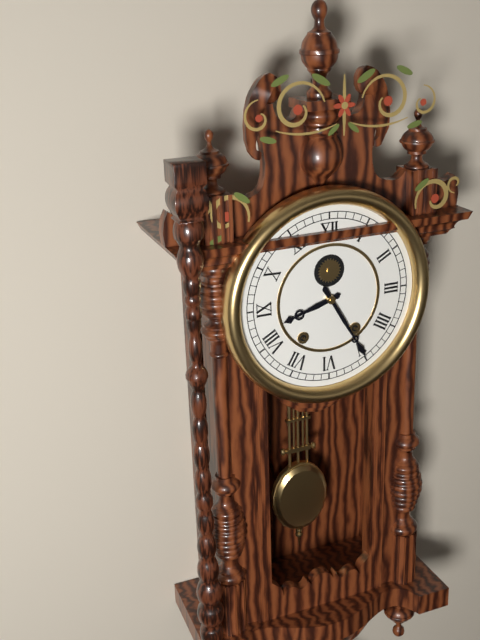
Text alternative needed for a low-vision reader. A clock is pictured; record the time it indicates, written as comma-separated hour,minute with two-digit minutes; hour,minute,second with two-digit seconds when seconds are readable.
8,25
